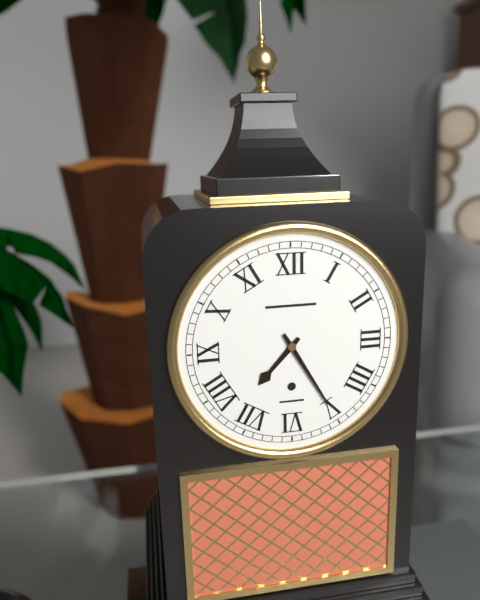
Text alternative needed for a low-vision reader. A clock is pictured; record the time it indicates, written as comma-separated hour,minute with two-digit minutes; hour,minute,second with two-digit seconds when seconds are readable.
7,25
